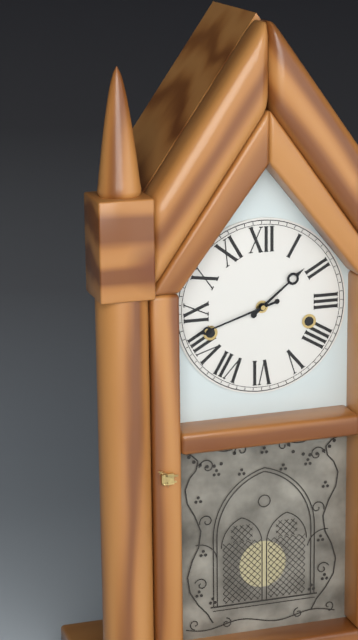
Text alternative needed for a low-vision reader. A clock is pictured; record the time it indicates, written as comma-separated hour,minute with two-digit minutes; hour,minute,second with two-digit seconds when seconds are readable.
1,42
